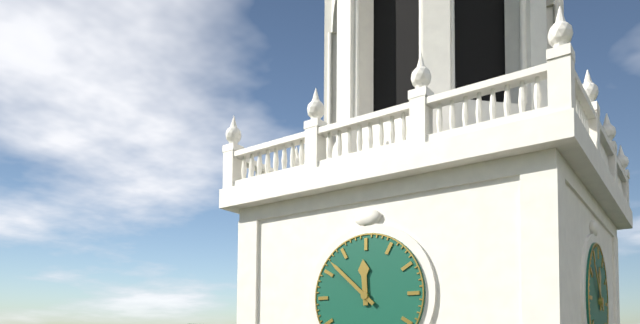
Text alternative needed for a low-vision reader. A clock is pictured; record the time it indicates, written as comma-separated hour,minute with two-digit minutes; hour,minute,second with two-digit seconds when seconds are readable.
11,52
